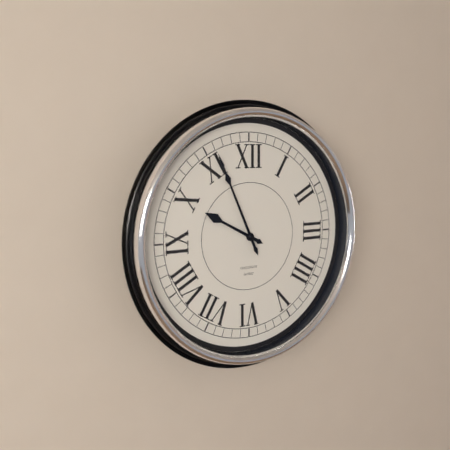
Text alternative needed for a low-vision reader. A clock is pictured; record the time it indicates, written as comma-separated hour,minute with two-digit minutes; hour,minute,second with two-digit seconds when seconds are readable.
9,56
